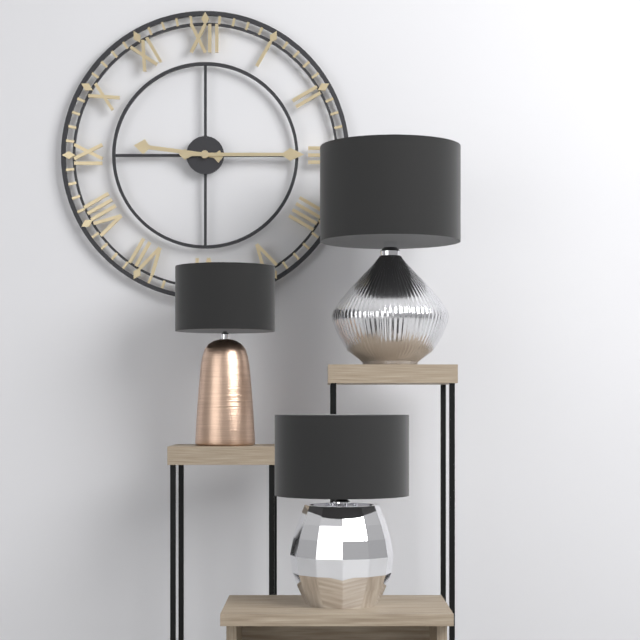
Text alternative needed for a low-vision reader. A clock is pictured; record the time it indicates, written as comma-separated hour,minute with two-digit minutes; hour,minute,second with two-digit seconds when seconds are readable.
9,15
